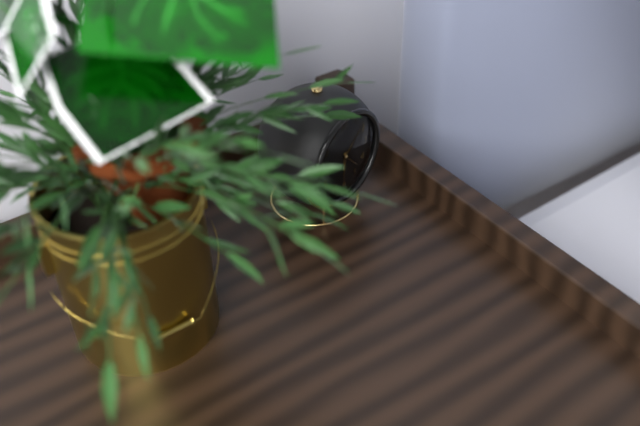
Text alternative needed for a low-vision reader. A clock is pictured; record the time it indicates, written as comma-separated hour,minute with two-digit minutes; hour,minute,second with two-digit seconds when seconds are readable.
6,08
